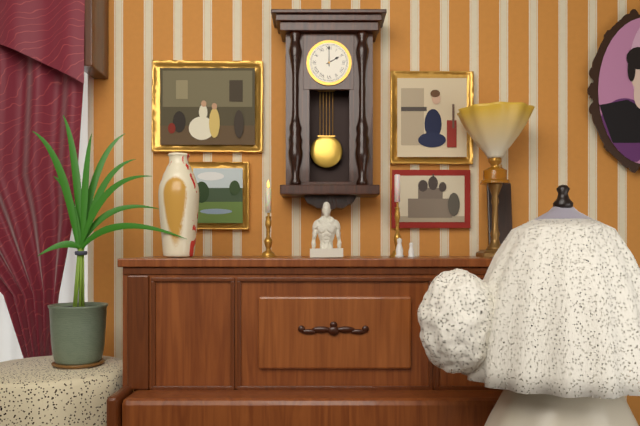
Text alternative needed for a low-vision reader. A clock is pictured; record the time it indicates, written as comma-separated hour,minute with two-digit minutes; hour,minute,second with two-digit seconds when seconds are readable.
2,00
